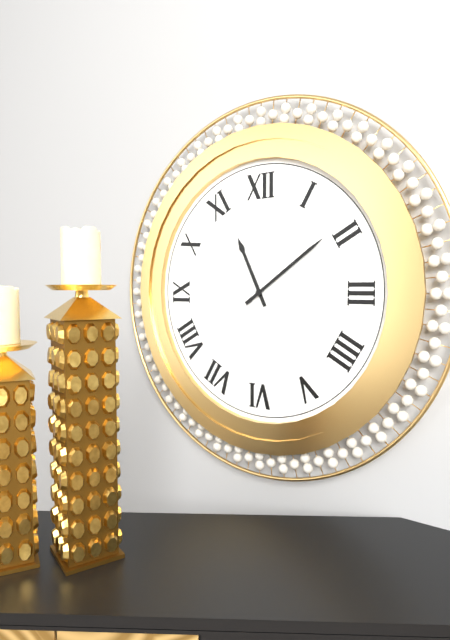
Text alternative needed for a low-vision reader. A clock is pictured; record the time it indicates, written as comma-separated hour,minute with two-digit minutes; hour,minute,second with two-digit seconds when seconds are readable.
11,09
